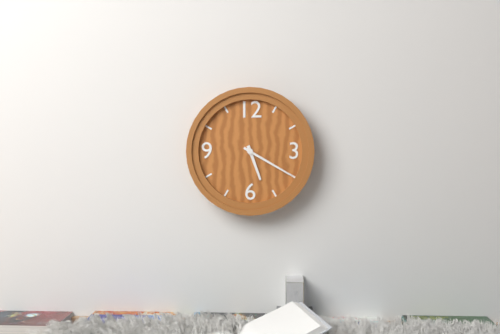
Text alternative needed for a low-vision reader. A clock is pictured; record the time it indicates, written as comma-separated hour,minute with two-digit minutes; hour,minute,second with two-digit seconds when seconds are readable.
5,20
